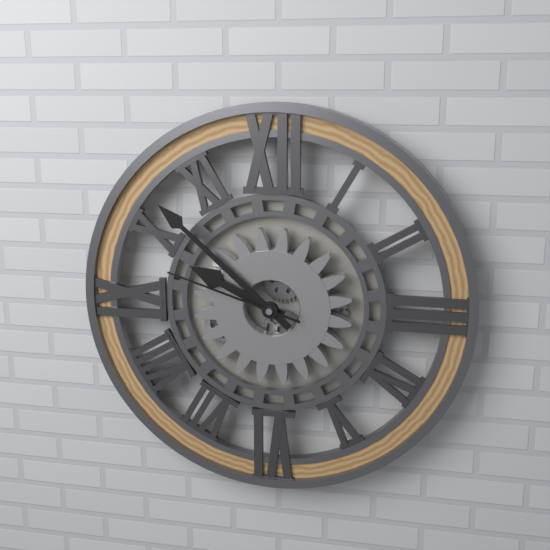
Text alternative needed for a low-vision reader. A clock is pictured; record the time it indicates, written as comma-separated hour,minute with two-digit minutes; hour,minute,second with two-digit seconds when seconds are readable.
9,52,48
